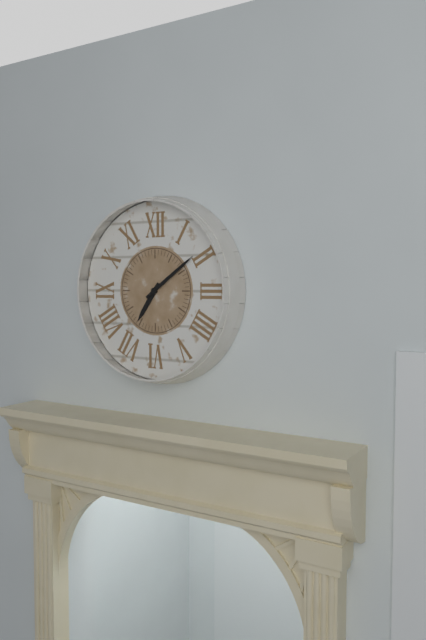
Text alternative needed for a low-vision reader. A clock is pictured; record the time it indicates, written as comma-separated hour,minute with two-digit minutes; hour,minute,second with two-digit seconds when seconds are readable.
7,09
